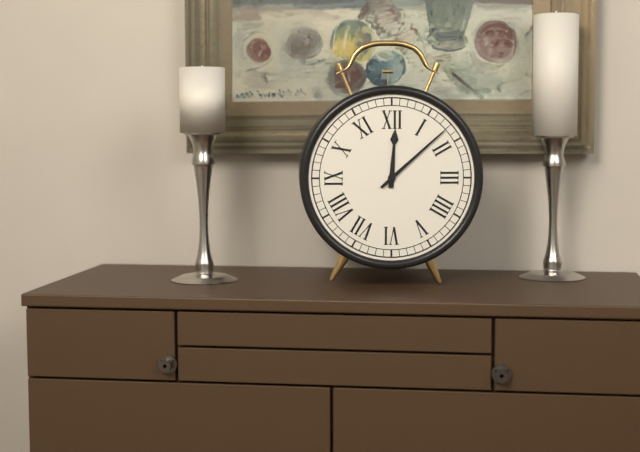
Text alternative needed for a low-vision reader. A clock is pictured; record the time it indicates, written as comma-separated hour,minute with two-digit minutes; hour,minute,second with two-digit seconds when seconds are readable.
12,08
